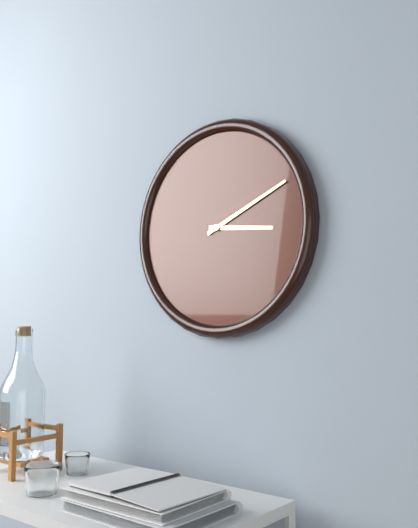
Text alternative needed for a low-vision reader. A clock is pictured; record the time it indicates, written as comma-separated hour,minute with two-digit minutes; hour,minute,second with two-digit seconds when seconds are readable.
3,11
